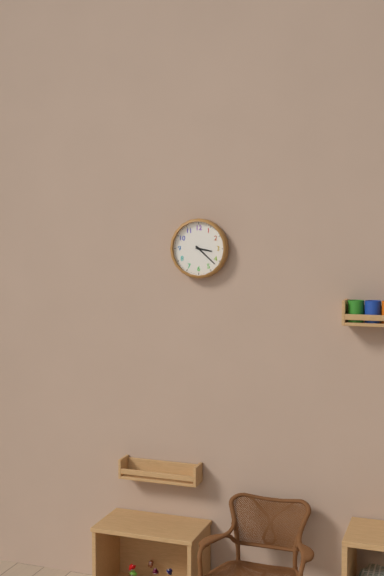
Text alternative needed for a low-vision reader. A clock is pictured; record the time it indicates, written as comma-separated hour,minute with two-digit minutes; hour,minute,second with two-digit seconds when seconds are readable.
3,22
